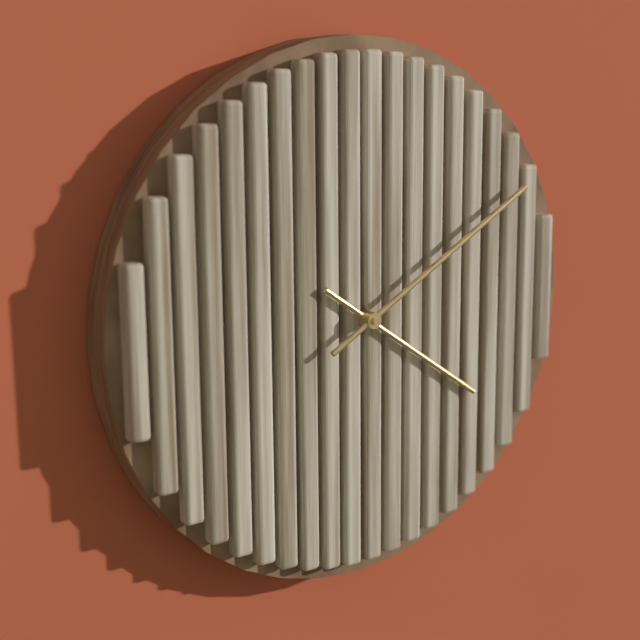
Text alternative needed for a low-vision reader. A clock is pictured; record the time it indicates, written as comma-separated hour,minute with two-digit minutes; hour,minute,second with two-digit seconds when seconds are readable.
4,10
